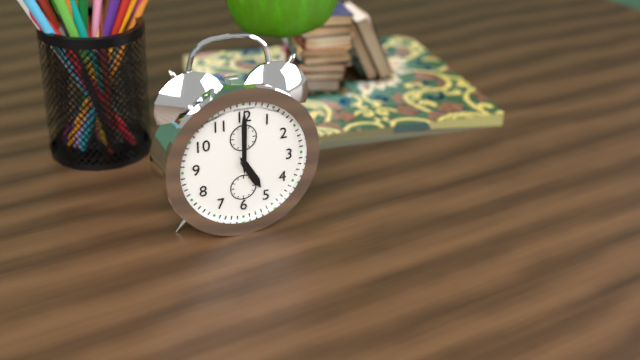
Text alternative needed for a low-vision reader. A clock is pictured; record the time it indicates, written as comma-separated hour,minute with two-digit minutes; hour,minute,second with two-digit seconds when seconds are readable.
5,00
